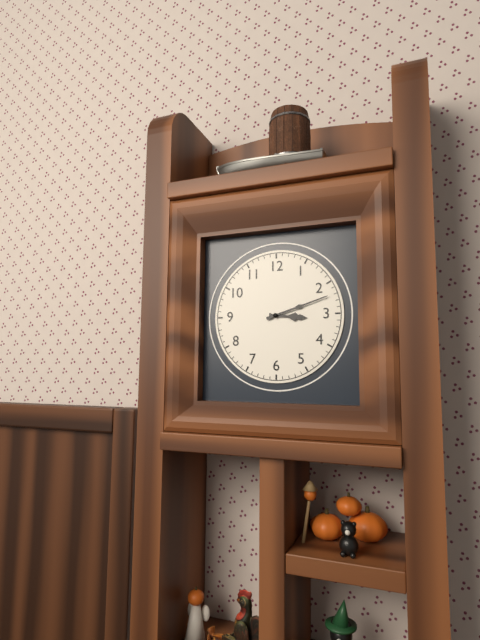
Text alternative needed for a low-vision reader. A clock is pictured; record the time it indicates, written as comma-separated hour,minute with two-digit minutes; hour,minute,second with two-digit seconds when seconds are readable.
3,12
